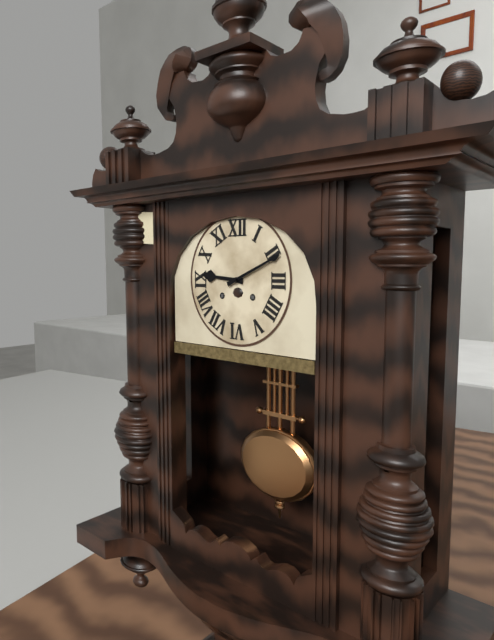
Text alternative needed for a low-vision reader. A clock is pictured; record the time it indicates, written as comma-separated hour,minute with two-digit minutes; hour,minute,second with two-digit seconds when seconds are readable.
9,11
